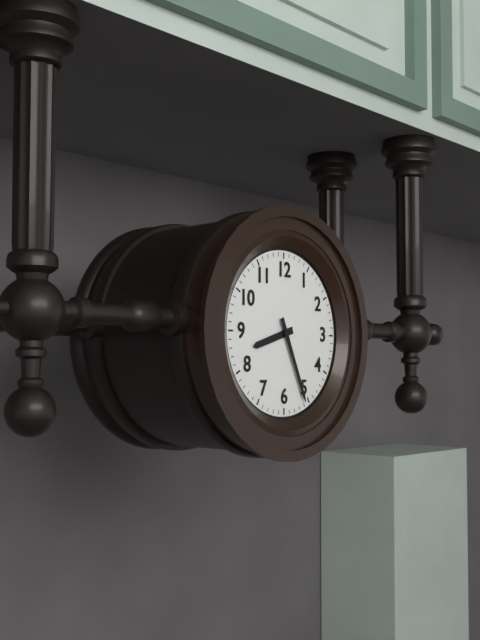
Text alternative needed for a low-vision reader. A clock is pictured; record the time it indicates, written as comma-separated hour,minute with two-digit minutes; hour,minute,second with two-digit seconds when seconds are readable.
8,26
